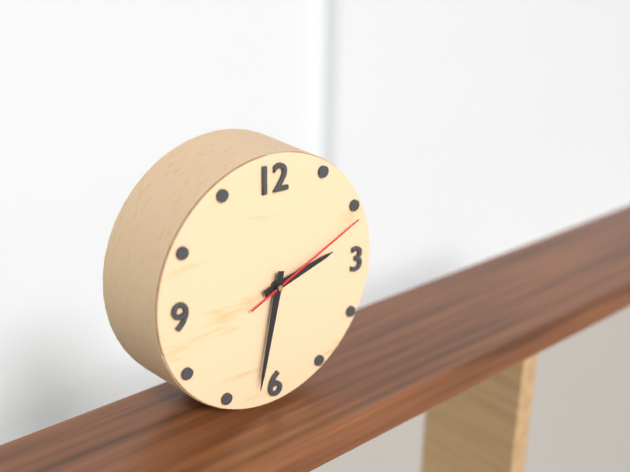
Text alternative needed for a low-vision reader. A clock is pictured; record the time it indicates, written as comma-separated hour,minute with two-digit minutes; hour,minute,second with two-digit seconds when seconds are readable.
2,32,11
